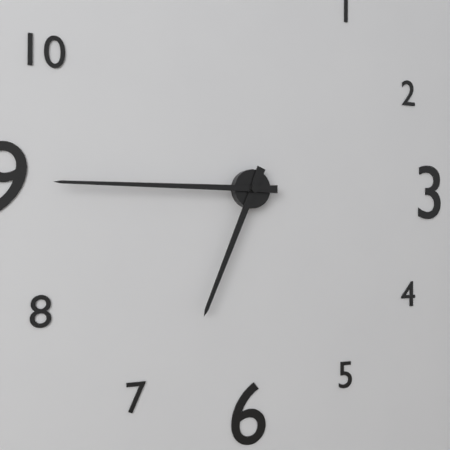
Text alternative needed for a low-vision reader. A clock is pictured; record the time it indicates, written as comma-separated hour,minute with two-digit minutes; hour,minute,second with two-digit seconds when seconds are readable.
6,45
